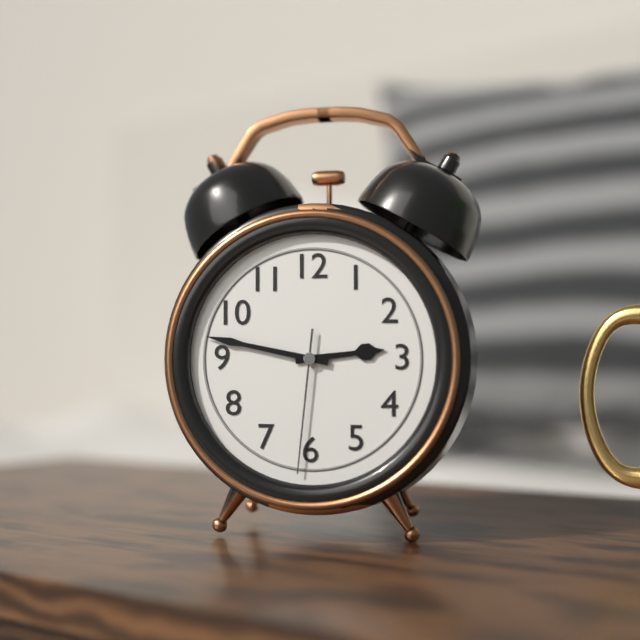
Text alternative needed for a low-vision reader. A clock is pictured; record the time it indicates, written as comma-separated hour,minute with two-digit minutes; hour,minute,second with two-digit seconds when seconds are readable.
2,47,31
